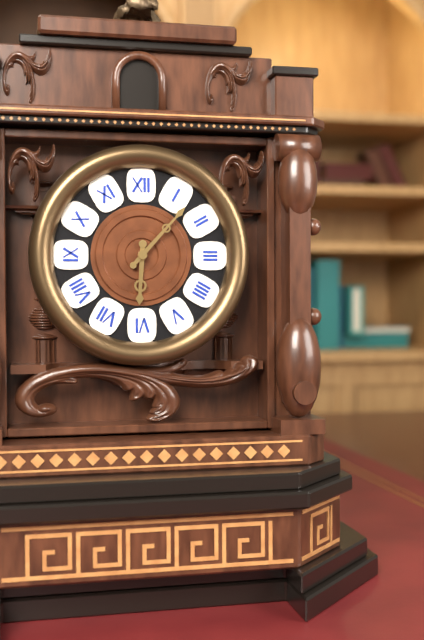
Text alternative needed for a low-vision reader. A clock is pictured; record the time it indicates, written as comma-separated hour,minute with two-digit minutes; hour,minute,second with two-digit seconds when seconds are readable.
6,07
